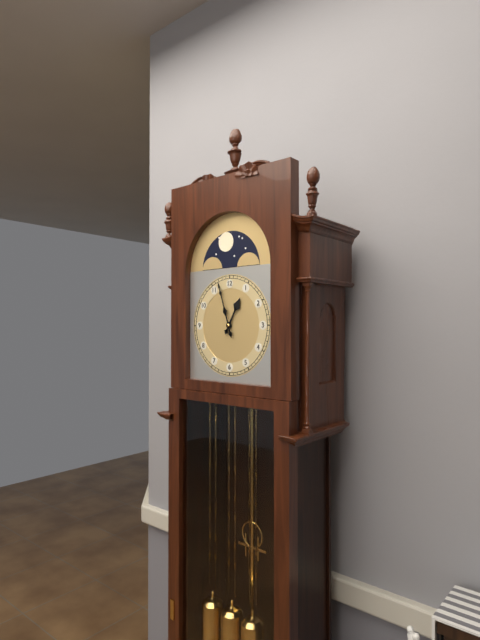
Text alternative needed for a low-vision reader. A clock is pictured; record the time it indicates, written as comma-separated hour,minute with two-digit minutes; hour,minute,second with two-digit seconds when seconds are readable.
12,57
